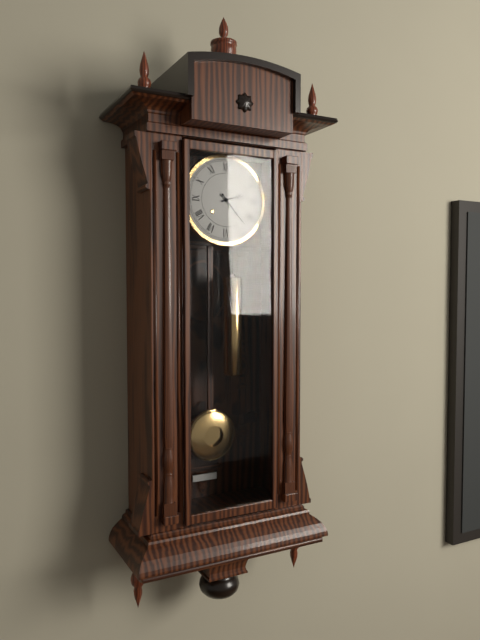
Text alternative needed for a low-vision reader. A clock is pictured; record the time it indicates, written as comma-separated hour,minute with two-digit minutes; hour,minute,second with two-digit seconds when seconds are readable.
2,23
